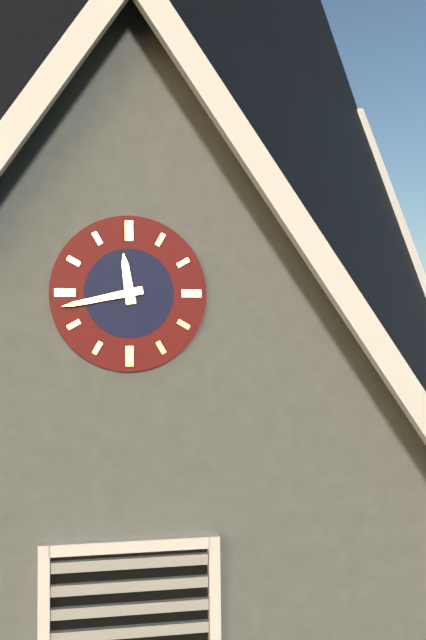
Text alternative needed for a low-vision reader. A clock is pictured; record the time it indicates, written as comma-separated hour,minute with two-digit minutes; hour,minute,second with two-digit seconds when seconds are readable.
11,43
